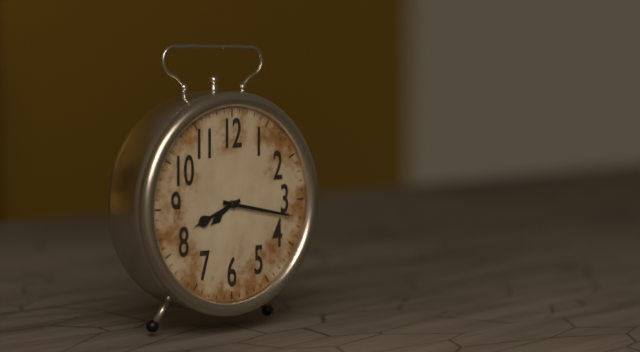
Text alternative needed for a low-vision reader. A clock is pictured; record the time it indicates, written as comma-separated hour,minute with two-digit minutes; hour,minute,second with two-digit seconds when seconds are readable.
8,17
